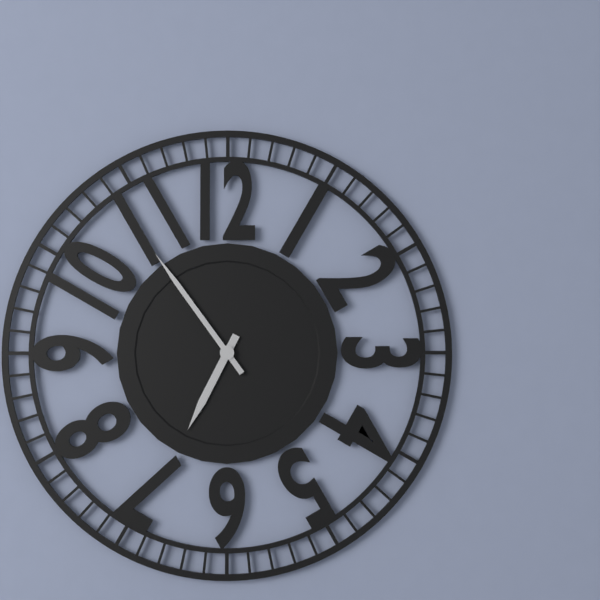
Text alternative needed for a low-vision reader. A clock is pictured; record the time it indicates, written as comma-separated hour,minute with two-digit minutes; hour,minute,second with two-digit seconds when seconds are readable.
6,54
